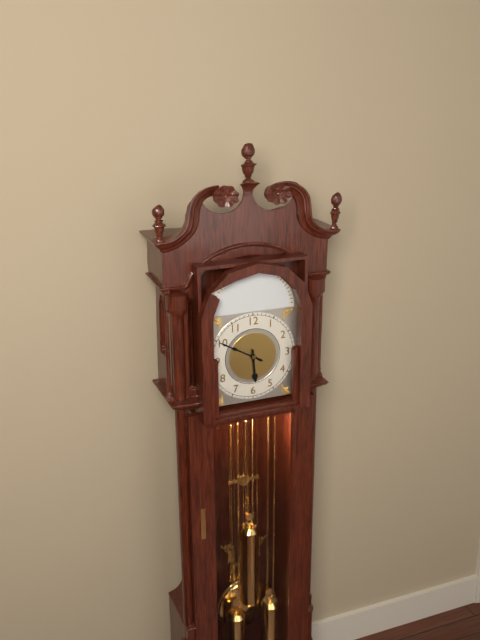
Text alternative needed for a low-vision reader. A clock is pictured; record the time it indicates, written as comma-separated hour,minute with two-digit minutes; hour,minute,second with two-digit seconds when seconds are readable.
5,50
